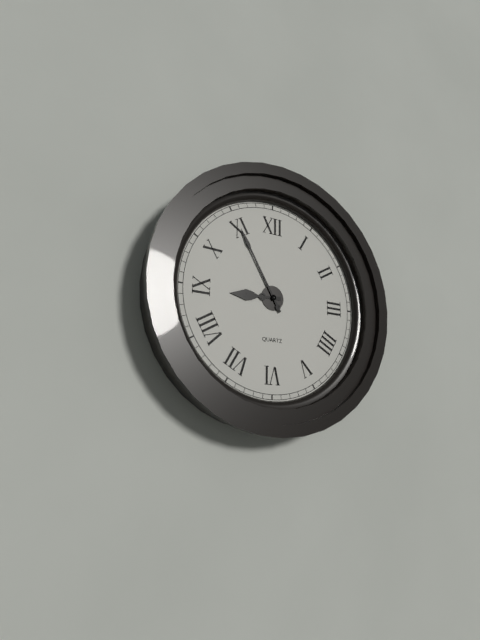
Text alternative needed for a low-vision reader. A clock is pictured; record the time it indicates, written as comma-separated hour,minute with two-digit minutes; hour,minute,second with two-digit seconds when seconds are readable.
8,55
